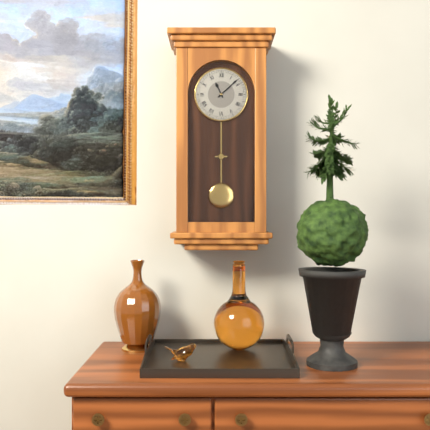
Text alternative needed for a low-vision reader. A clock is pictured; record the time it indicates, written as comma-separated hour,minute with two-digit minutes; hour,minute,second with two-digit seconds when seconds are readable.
11,08
